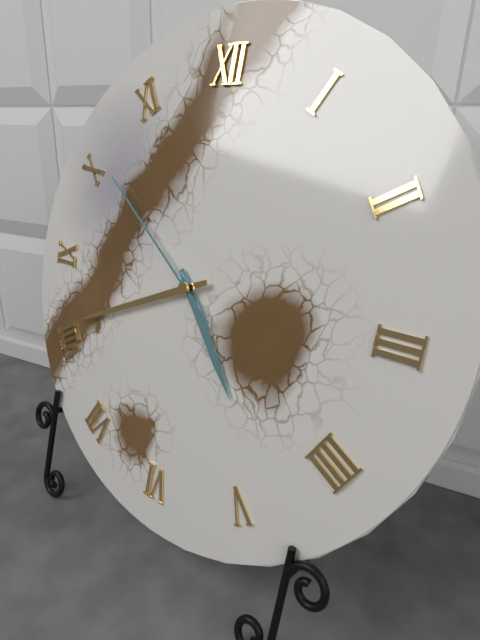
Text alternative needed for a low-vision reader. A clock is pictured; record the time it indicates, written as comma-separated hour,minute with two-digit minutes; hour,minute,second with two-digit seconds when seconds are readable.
4,41,51
